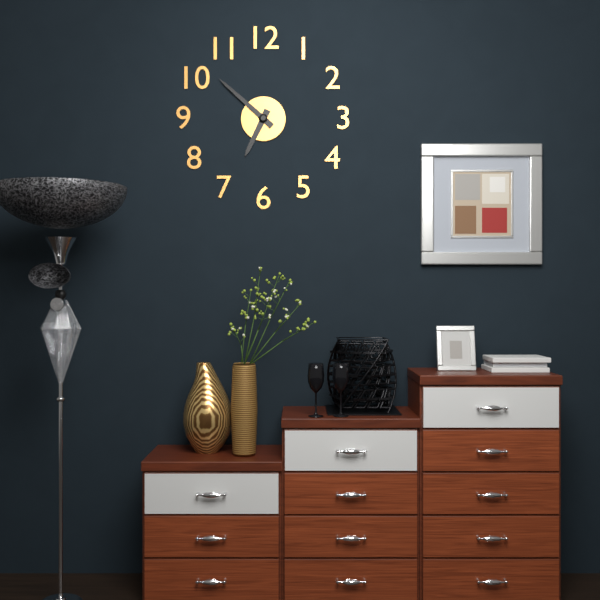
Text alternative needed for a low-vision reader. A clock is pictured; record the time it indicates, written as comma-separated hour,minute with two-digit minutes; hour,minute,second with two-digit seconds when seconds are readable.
6,52
